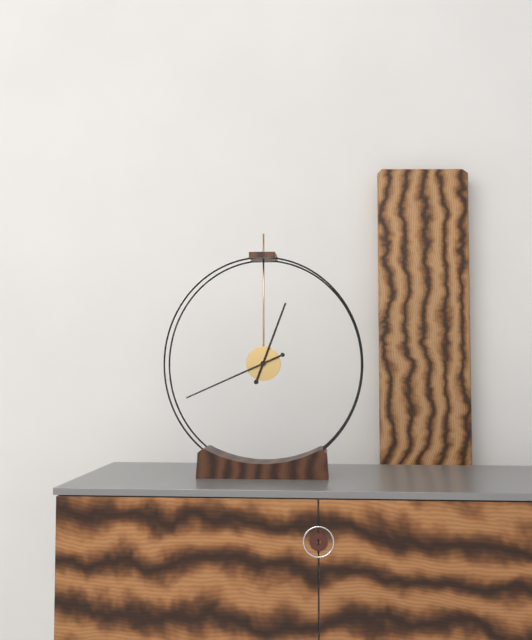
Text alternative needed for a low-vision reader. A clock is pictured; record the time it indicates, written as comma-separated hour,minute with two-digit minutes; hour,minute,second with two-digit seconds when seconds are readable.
12,41
